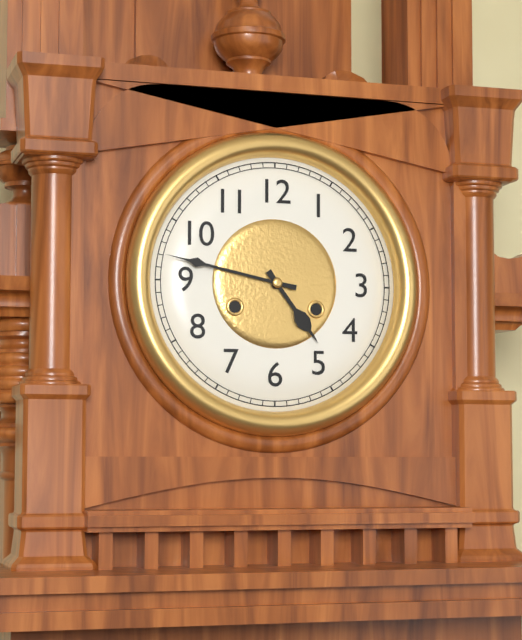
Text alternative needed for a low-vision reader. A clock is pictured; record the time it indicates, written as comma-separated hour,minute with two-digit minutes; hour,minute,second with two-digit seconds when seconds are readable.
4,47
